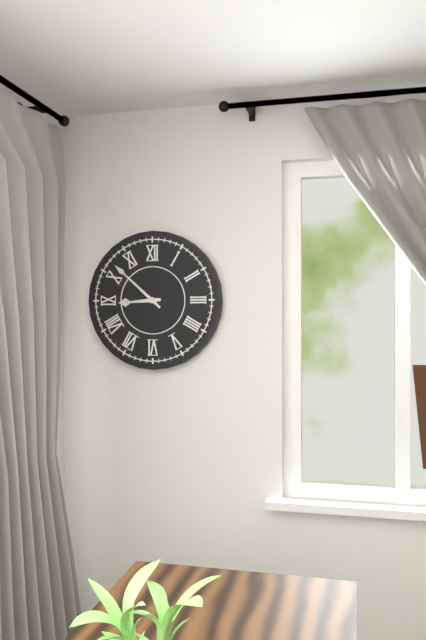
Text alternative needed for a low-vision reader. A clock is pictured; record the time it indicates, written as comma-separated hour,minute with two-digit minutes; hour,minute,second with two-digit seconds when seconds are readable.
8,52
